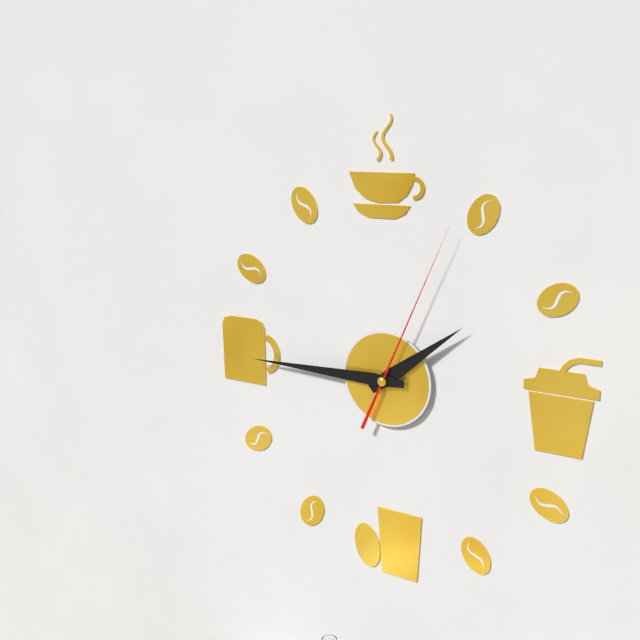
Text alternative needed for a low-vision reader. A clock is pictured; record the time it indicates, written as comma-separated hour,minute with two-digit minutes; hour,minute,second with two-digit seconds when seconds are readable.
1,45,04
